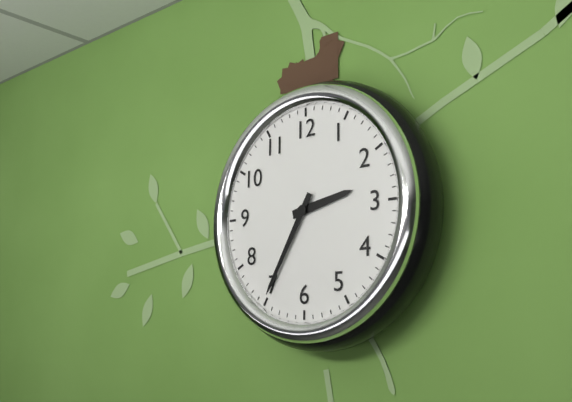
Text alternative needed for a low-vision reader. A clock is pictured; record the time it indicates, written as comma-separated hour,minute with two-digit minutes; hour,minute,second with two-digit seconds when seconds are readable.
2,35
